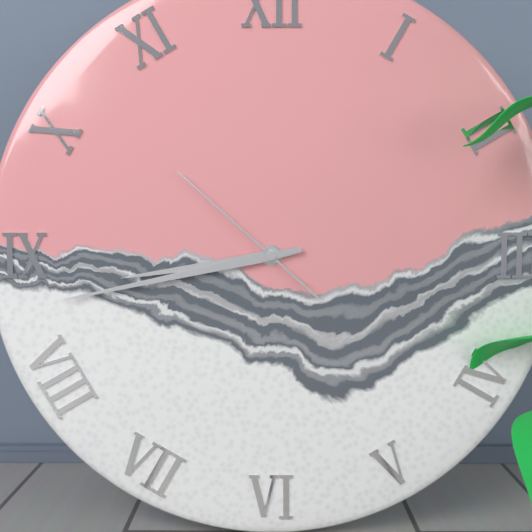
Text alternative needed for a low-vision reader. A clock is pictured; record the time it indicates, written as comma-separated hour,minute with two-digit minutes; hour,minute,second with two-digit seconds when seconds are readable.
8,43,52
